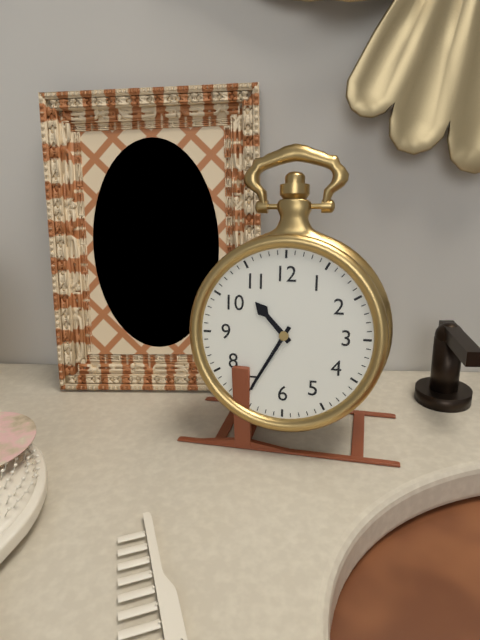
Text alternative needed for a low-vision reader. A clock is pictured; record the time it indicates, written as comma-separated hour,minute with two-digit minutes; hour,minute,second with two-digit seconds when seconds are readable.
10,35
